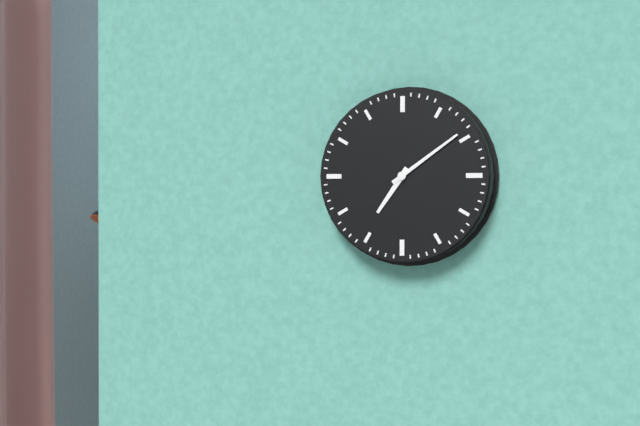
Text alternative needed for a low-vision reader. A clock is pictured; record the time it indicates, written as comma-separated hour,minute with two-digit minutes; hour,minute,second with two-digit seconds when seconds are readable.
7,09
